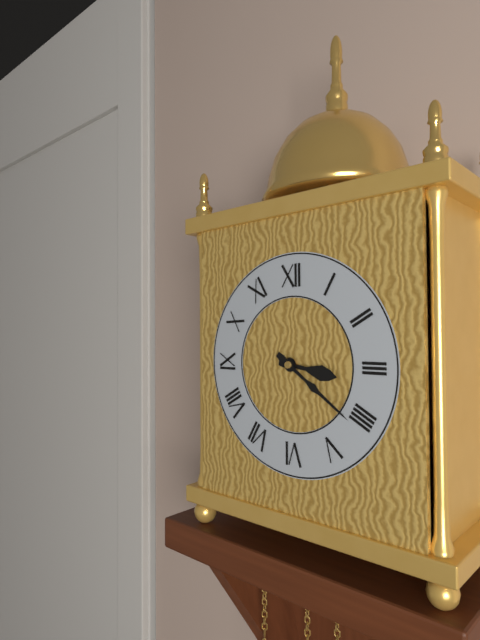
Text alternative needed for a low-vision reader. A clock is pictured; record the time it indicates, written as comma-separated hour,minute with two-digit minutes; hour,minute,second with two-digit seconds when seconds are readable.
3,21
